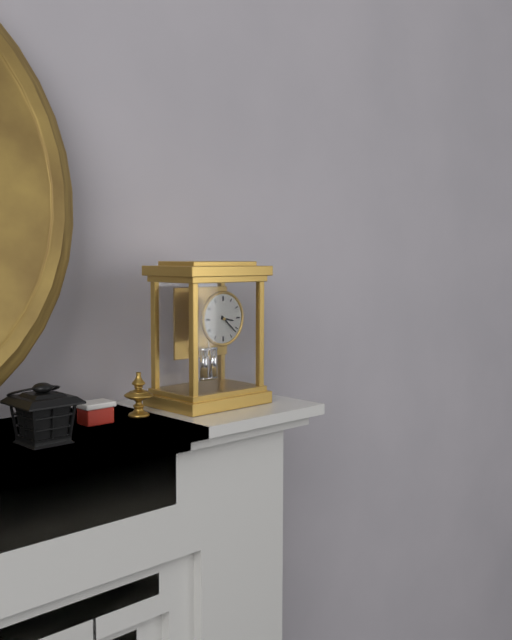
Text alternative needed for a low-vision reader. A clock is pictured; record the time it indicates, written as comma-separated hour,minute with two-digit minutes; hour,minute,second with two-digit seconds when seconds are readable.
3,22
